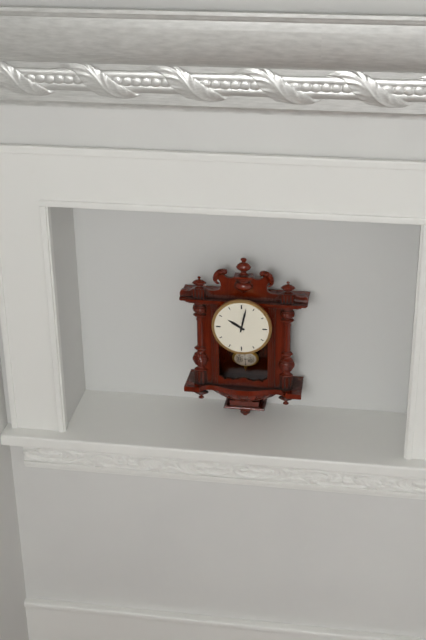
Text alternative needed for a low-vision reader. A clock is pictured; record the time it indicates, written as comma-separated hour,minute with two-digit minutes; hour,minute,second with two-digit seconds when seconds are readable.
10,02
